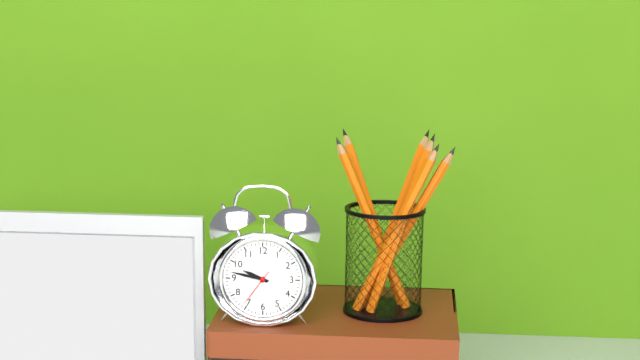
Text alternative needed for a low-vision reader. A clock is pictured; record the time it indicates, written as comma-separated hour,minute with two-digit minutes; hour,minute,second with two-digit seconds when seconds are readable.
9,47
